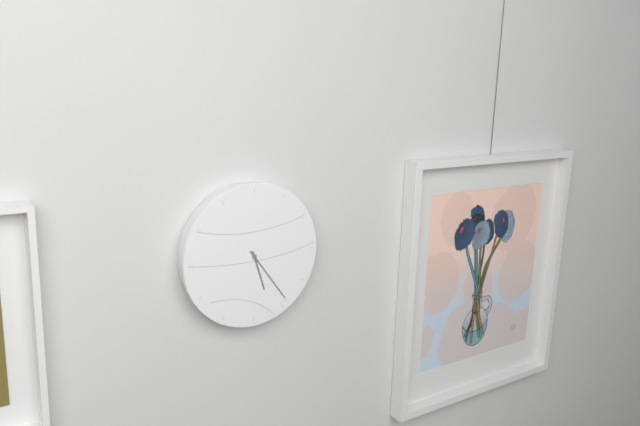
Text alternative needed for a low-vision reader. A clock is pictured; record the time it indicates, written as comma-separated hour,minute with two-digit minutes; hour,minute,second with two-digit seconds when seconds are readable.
5,24
